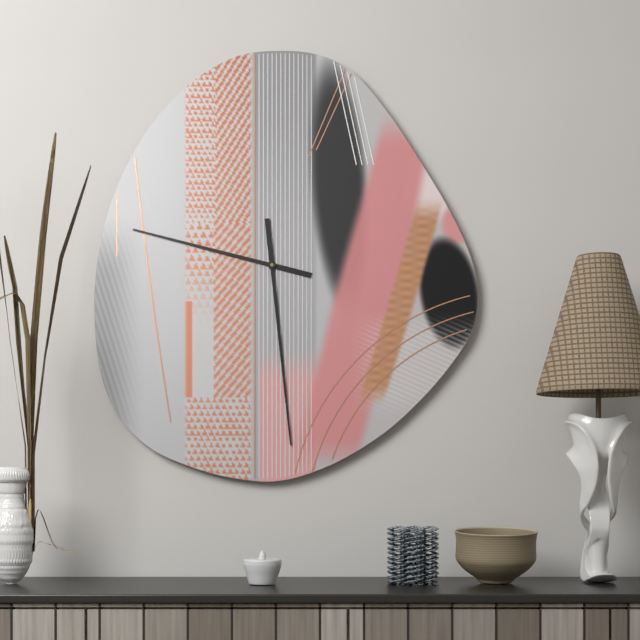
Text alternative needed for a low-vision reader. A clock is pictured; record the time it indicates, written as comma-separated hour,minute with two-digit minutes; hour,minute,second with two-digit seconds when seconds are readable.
9,29
